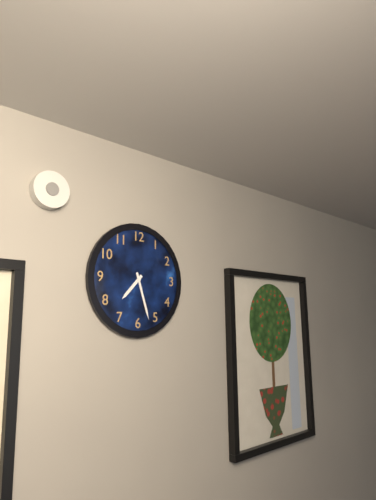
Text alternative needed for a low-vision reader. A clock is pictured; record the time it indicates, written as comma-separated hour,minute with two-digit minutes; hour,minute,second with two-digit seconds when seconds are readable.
7,27
